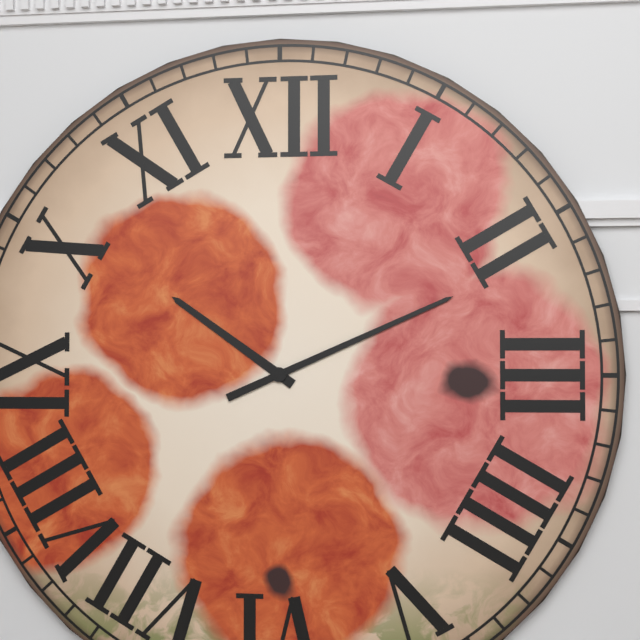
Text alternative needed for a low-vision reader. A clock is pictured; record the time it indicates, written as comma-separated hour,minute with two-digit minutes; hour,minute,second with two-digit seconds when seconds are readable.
10,11
